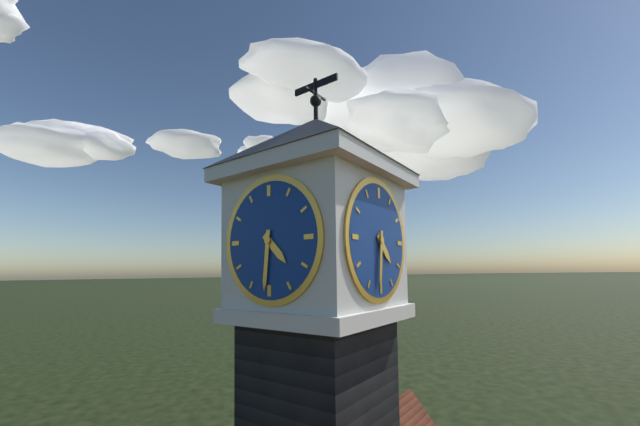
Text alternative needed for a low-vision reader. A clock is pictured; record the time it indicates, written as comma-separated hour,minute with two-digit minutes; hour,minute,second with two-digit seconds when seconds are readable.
4,31
